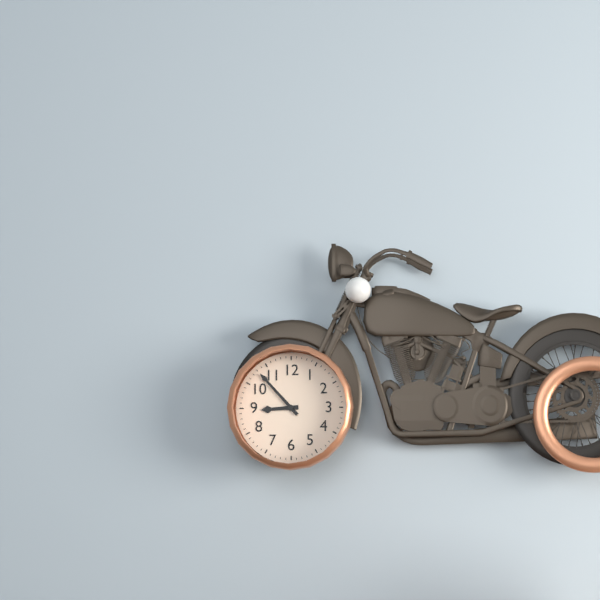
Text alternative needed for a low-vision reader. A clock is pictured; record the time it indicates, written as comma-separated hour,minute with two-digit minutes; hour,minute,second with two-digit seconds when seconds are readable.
8,53
